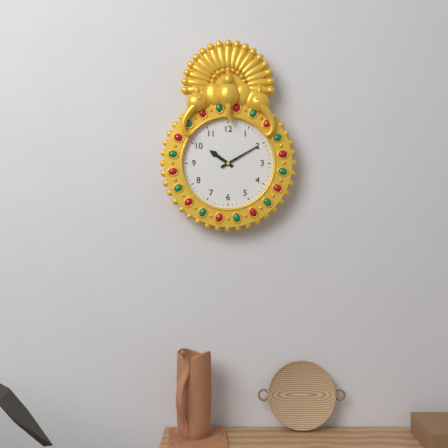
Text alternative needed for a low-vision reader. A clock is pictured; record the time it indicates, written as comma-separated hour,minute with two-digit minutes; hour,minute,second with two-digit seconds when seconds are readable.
10,10
